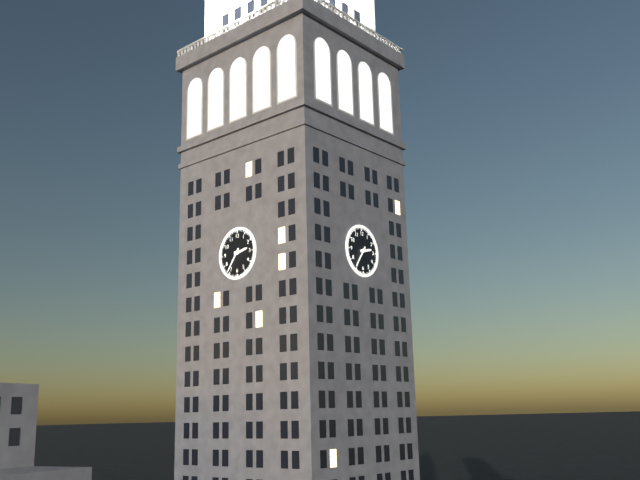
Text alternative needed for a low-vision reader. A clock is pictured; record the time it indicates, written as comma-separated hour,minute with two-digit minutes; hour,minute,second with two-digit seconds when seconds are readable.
2,36
